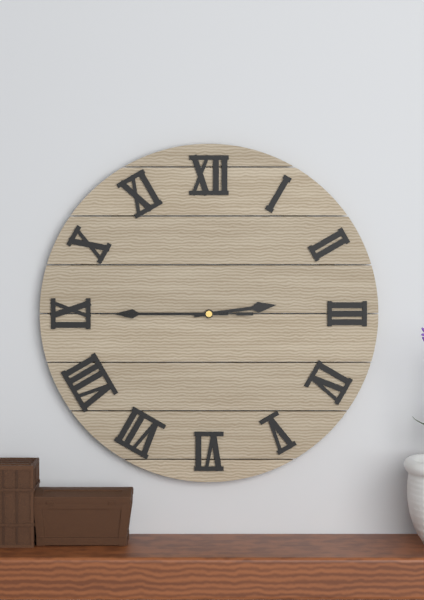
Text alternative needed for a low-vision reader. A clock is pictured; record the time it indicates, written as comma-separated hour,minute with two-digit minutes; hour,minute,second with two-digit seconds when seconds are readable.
2,45,45
